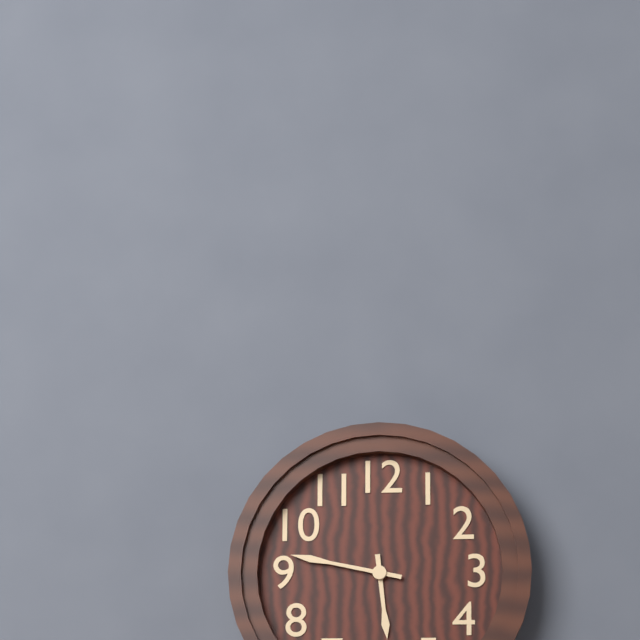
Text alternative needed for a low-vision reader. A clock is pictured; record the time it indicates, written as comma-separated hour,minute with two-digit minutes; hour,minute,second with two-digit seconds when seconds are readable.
5,47
